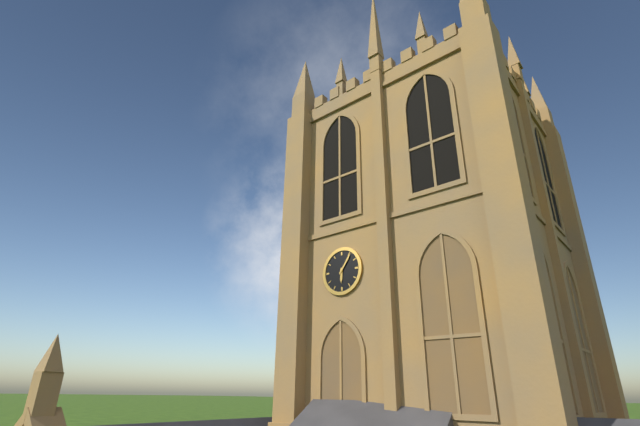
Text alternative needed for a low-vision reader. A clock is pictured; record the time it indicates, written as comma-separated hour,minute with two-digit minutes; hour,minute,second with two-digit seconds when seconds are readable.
6,06
